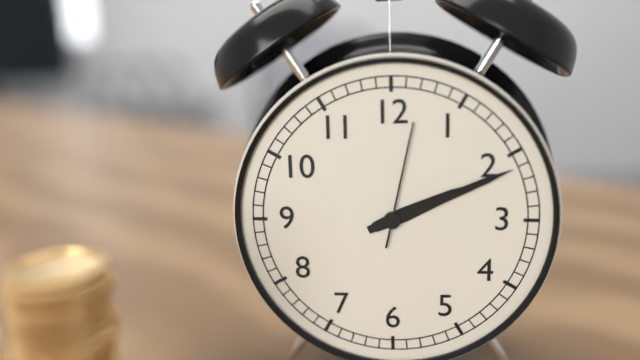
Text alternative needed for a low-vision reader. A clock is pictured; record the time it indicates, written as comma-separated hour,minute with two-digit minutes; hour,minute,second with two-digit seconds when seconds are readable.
2,11,02
